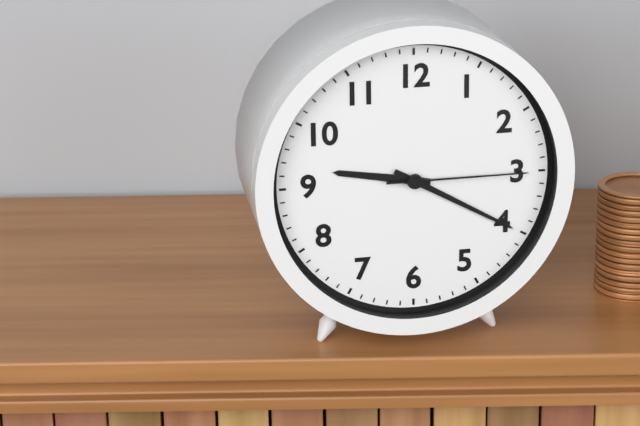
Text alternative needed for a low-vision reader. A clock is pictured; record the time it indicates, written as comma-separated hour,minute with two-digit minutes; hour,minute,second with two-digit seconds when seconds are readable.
9,20,15
